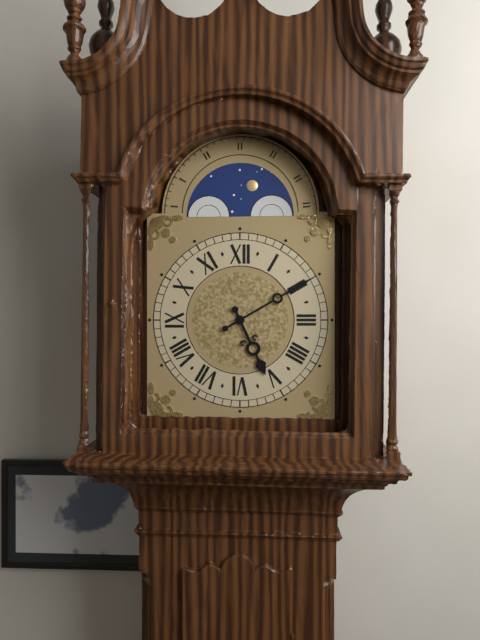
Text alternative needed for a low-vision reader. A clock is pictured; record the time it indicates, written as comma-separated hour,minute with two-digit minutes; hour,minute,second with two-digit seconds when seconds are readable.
5,10
